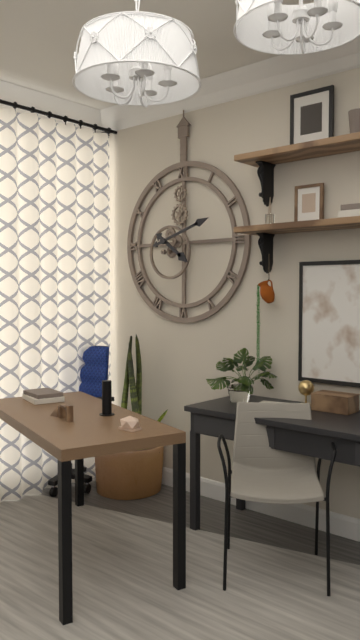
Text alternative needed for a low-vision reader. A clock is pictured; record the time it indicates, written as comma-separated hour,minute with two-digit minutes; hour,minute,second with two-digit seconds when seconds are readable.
4,12
